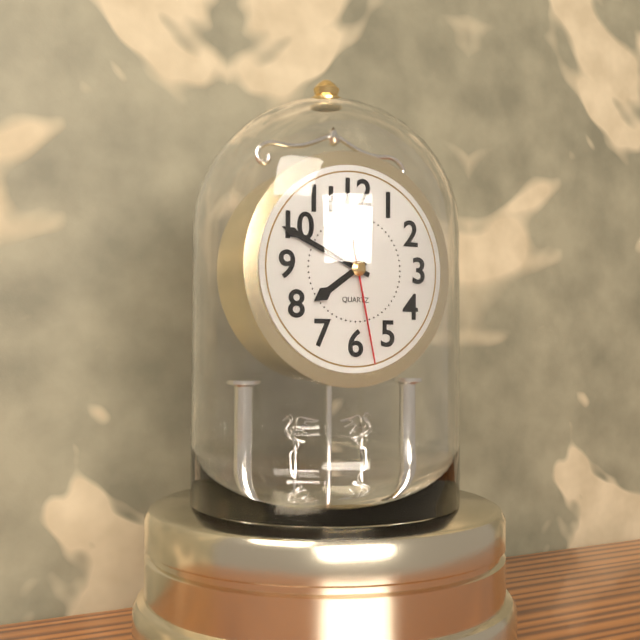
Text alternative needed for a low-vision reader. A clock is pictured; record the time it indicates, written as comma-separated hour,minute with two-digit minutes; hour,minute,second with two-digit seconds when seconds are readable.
7,49,28
